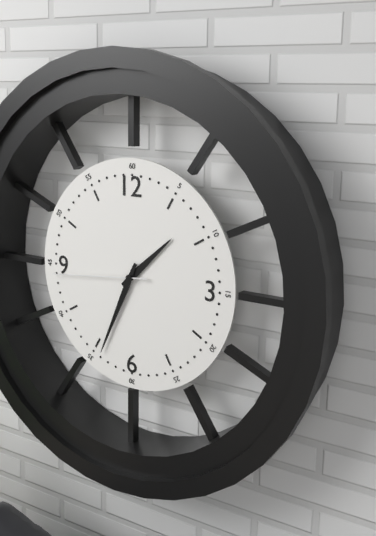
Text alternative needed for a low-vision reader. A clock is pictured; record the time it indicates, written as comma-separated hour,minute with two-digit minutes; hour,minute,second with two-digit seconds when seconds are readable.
1,34,44
